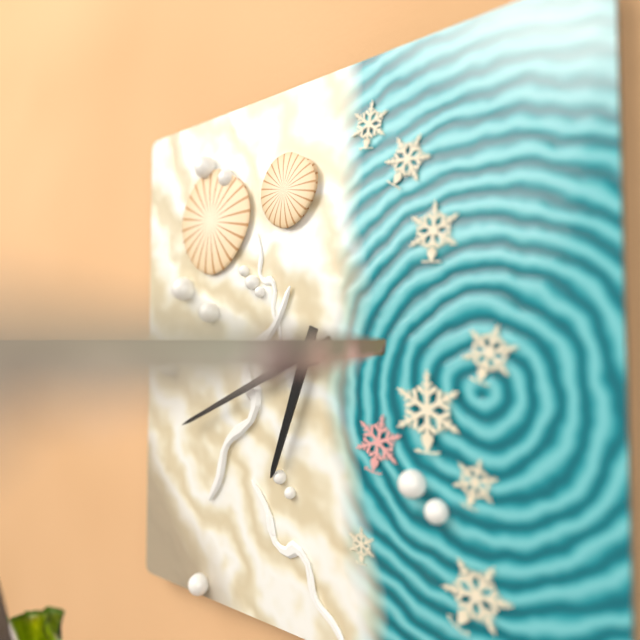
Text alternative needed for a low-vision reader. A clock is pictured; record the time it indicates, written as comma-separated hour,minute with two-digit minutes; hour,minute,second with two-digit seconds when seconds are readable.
6,41
